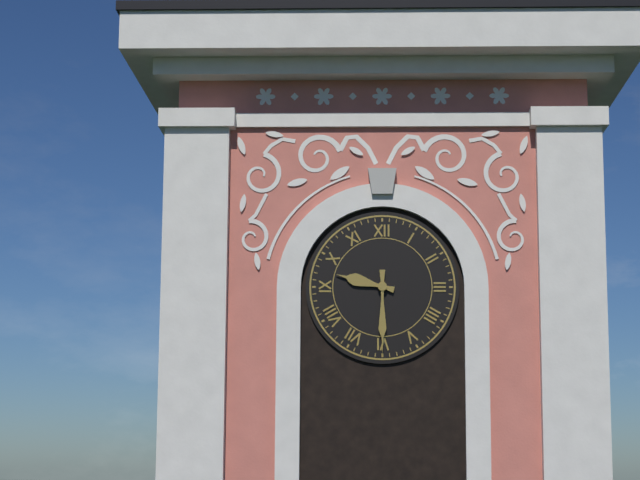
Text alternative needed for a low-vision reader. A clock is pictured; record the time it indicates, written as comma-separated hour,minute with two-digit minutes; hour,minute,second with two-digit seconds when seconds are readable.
9,30
